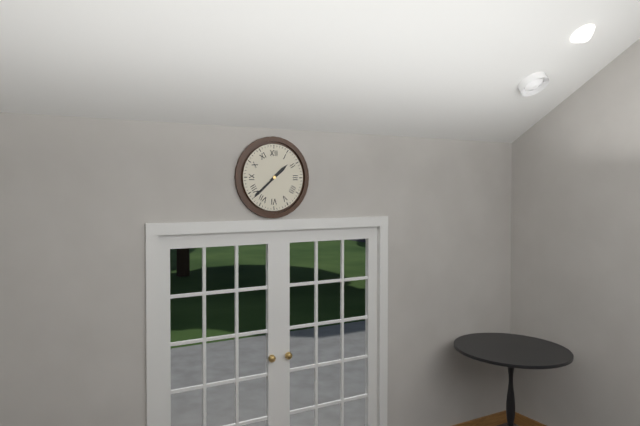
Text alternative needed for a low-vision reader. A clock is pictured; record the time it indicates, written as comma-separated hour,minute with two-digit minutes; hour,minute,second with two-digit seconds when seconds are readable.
1,38
